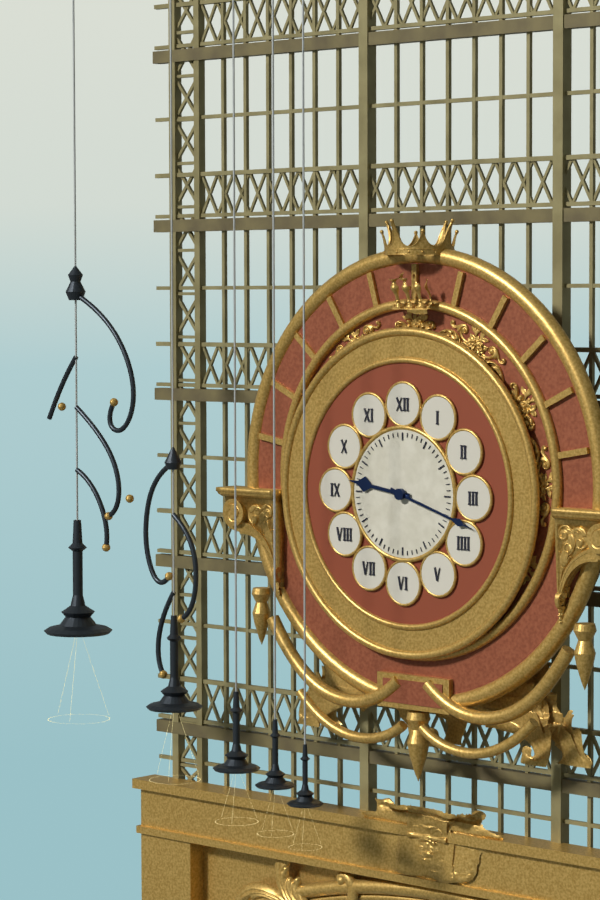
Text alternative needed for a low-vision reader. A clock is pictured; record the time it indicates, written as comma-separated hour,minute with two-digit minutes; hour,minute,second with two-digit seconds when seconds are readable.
9,18
